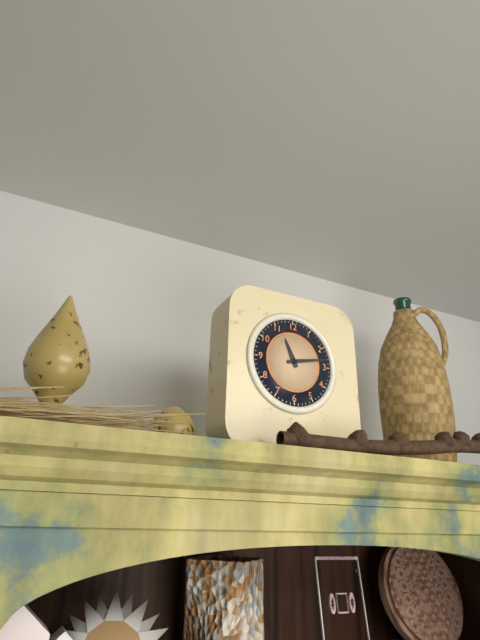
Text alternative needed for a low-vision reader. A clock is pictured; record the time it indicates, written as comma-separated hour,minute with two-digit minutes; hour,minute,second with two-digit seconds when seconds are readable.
11,13
